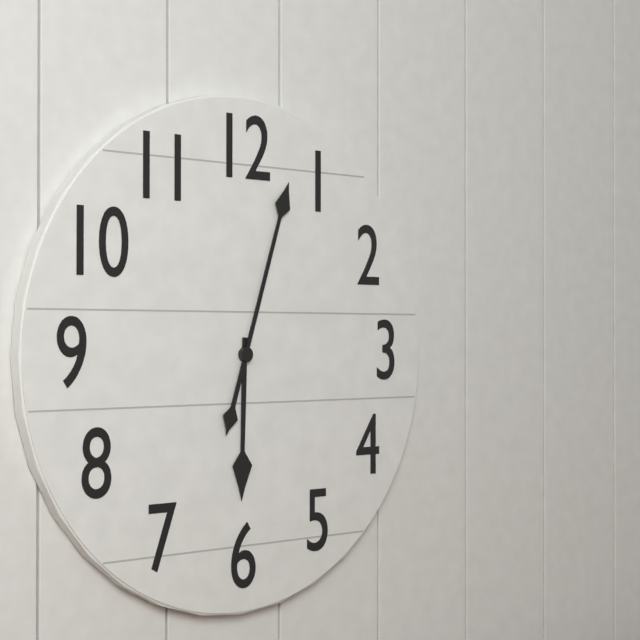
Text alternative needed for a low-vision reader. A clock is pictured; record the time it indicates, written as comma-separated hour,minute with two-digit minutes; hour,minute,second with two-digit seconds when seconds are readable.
6,03
